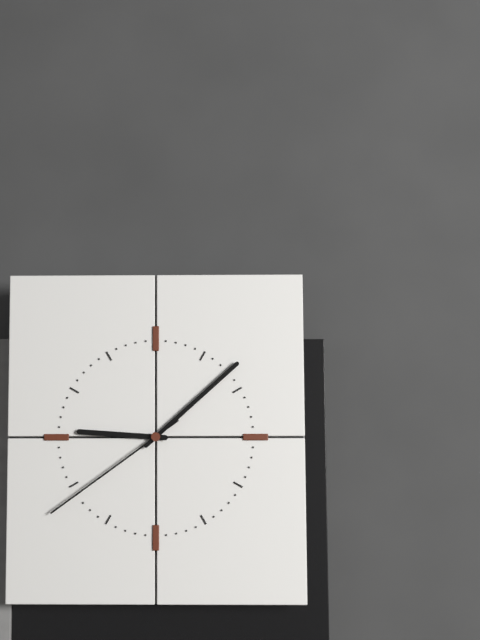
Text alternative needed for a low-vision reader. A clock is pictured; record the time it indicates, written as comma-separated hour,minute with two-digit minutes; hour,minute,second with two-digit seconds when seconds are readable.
9,08,39
